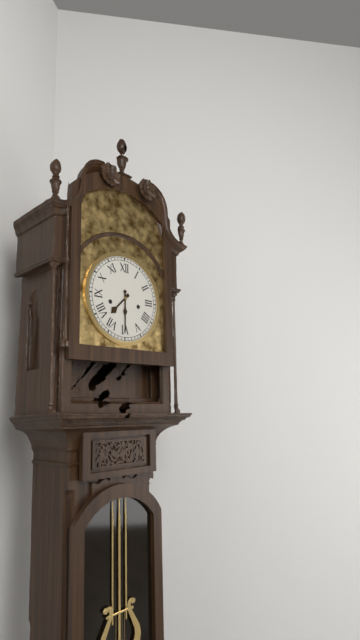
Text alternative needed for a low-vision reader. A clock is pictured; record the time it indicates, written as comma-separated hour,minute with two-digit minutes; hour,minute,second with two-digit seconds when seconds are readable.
7,30
